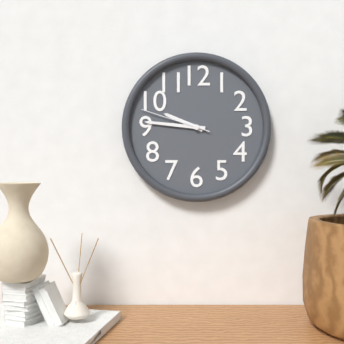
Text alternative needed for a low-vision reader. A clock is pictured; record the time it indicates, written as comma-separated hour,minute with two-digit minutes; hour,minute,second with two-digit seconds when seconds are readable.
9,46,48
